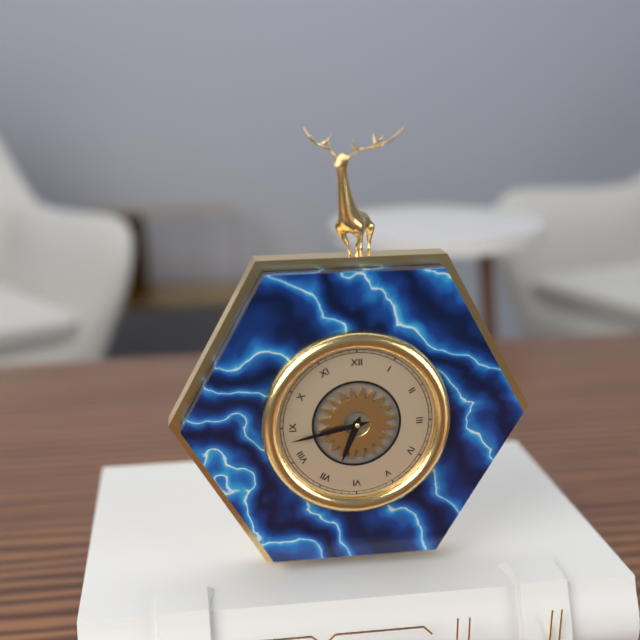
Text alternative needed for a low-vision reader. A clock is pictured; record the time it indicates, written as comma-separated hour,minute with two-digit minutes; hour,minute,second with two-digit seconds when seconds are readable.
6,43
